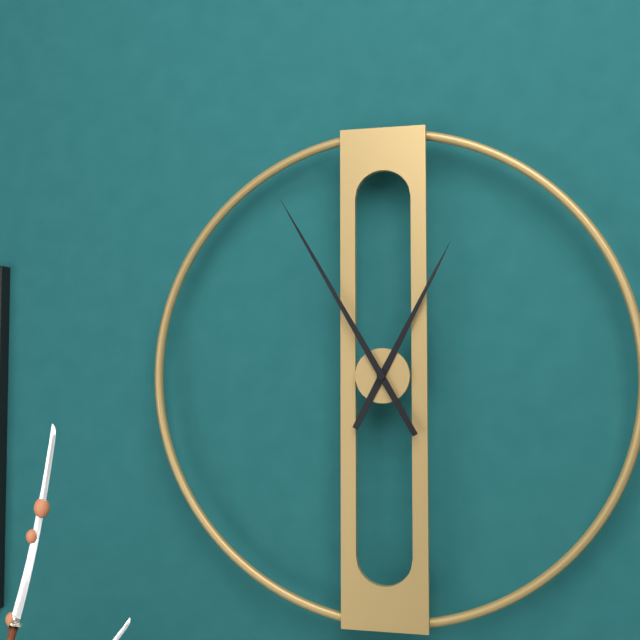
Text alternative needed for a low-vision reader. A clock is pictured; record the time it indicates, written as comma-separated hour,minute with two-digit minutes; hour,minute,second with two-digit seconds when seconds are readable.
12,55
